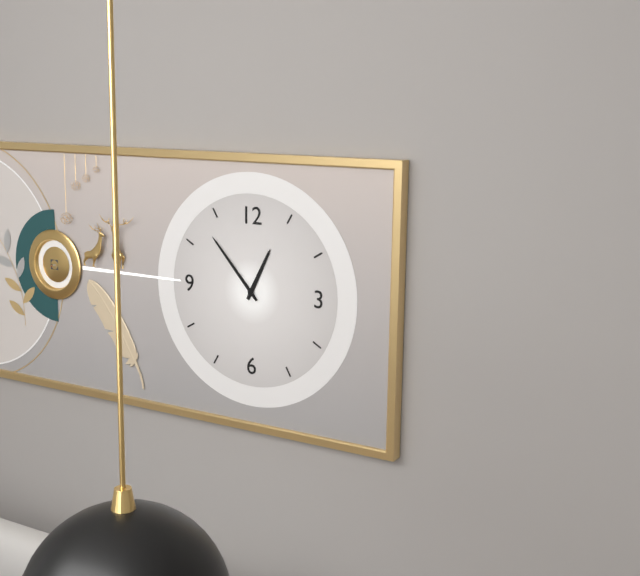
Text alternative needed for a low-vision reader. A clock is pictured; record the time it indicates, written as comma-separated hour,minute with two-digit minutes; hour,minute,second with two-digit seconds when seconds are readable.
12,53
